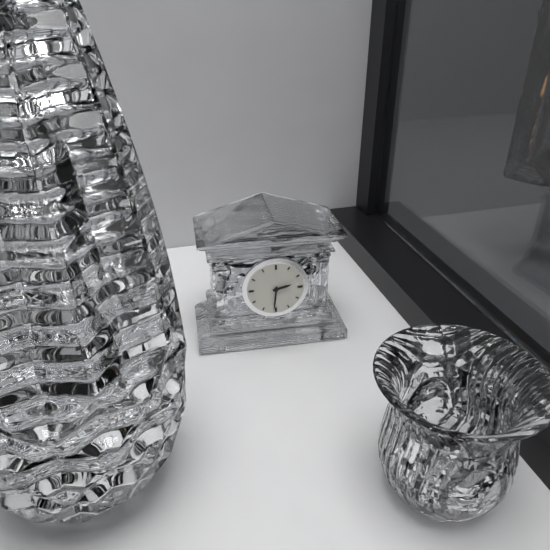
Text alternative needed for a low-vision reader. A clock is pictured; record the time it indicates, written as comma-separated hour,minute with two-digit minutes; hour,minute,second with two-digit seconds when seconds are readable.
2,31
